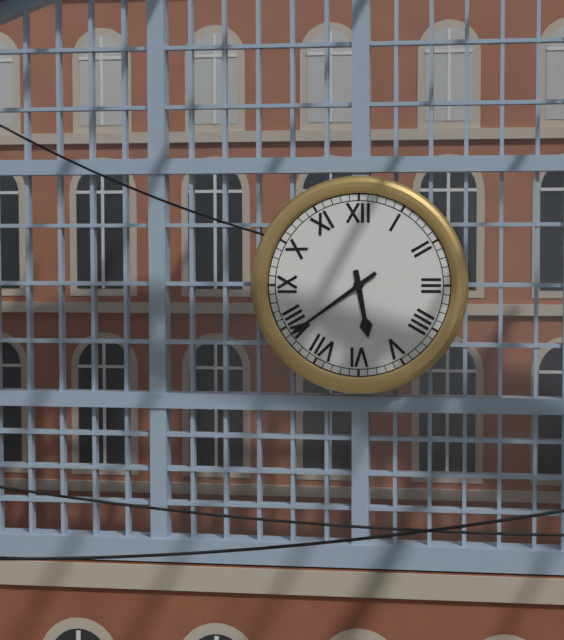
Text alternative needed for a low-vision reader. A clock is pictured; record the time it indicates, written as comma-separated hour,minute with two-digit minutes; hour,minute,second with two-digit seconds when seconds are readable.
5,39
